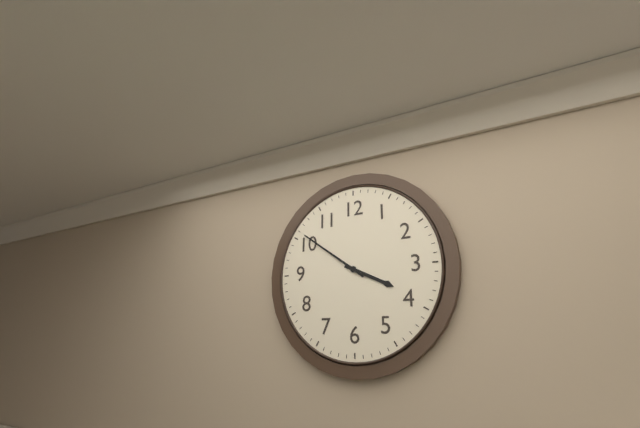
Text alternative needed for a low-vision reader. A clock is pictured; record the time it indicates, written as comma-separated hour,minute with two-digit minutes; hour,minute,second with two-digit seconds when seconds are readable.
3,51
